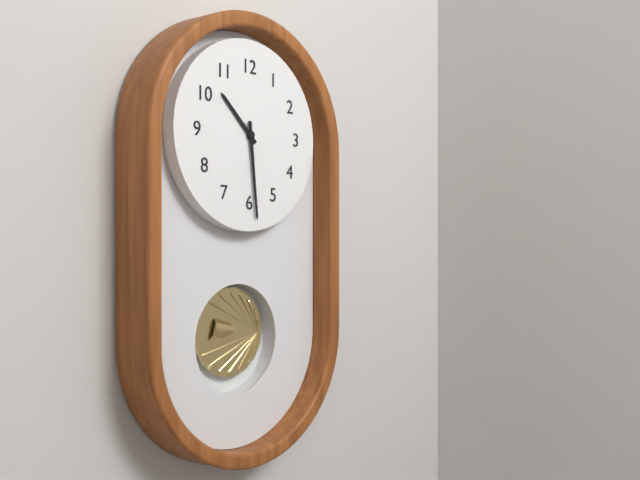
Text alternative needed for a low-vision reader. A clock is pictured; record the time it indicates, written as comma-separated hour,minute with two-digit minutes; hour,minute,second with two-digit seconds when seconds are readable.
10,29
